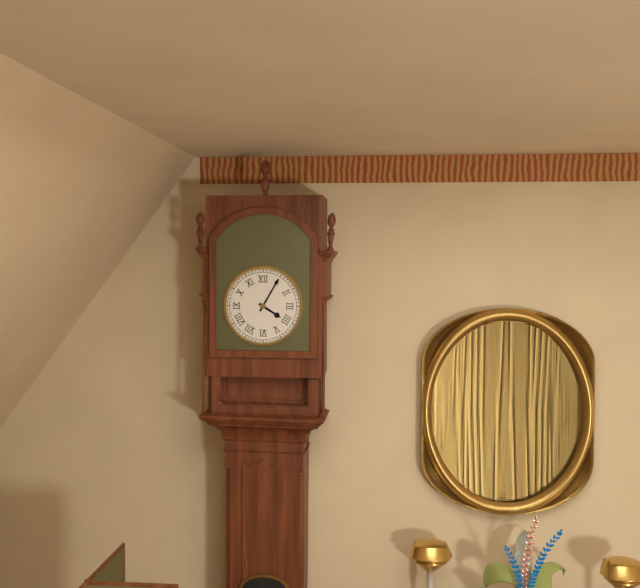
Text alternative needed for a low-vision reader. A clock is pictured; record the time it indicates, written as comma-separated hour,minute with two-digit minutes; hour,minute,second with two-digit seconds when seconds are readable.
4,05
